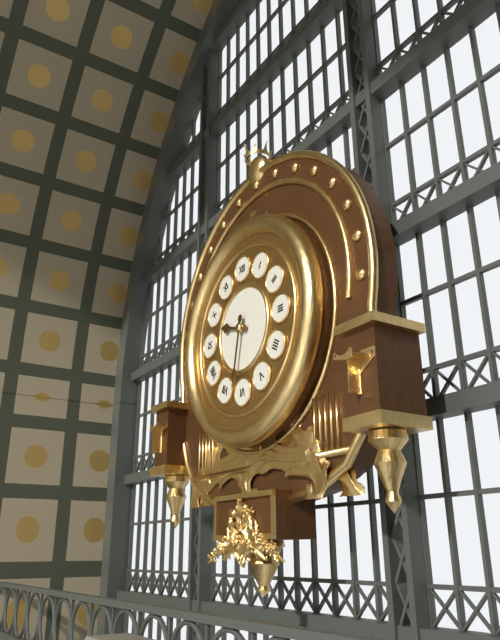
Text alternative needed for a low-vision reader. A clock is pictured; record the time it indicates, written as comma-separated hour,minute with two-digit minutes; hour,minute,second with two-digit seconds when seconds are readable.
9,32
